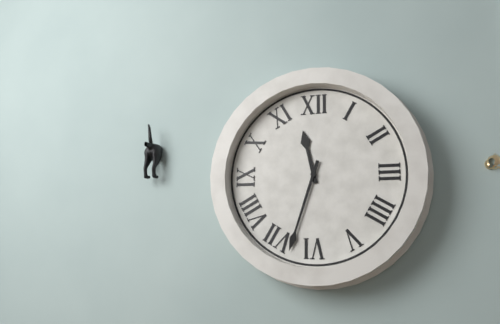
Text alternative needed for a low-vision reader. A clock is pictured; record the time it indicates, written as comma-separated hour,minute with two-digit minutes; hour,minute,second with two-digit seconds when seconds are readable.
11,33
